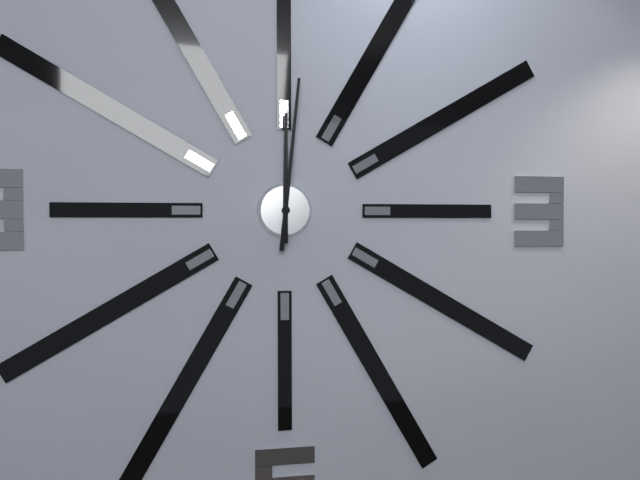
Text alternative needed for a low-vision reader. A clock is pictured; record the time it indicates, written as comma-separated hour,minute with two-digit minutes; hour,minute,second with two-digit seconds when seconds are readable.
12,01
